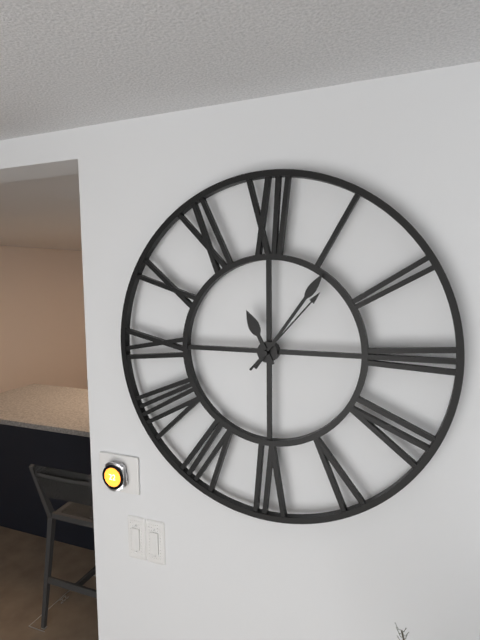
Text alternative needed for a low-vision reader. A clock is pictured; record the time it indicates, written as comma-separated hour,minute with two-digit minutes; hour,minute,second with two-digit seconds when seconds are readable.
11,06,07
